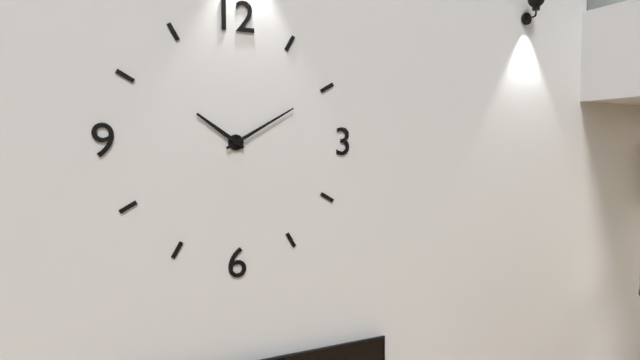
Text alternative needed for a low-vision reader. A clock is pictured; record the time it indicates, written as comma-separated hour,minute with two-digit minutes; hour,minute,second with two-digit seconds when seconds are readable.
10,10
